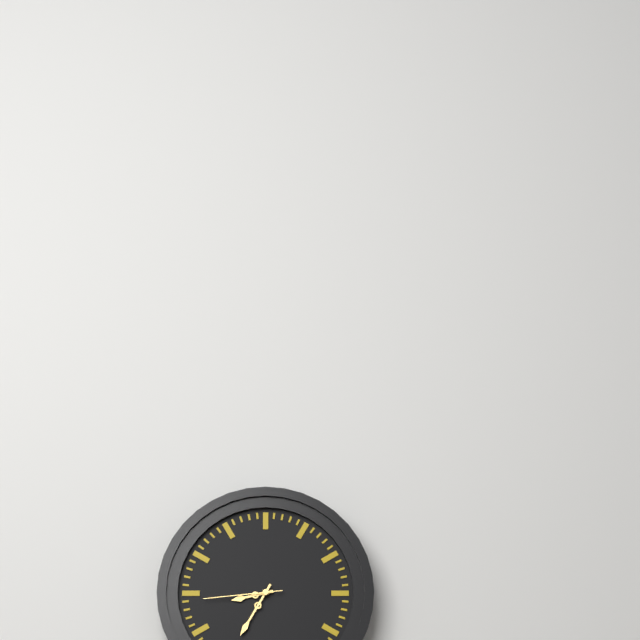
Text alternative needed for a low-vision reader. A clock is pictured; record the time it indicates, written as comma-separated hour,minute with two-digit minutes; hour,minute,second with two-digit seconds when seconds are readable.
8,35,44
